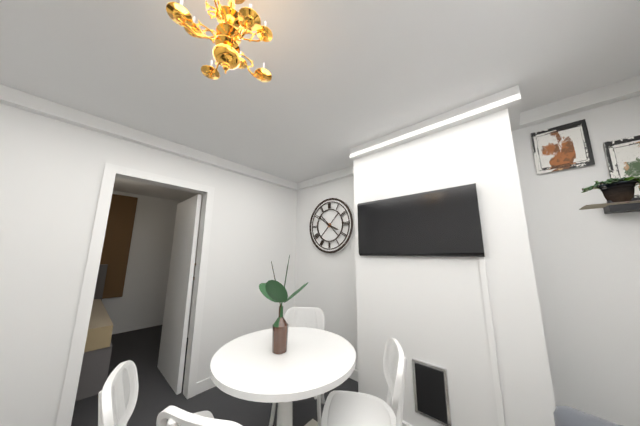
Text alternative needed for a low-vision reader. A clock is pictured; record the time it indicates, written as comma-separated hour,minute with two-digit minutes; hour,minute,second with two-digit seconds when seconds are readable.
3,51
